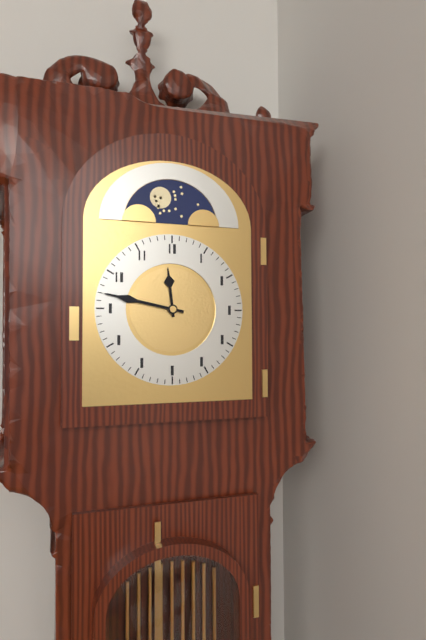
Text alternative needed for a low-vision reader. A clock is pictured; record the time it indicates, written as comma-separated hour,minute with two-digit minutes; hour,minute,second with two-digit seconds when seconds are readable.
11,47
